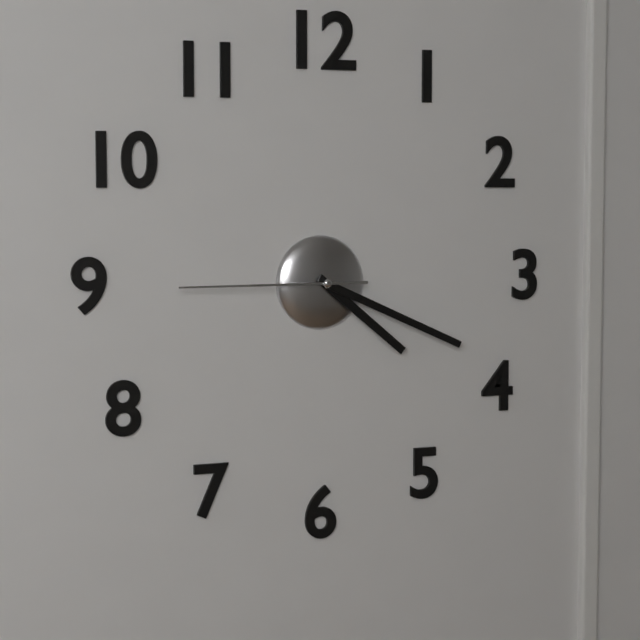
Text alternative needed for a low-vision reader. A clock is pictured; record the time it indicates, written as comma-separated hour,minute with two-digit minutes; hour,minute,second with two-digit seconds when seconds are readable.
4,19,45
